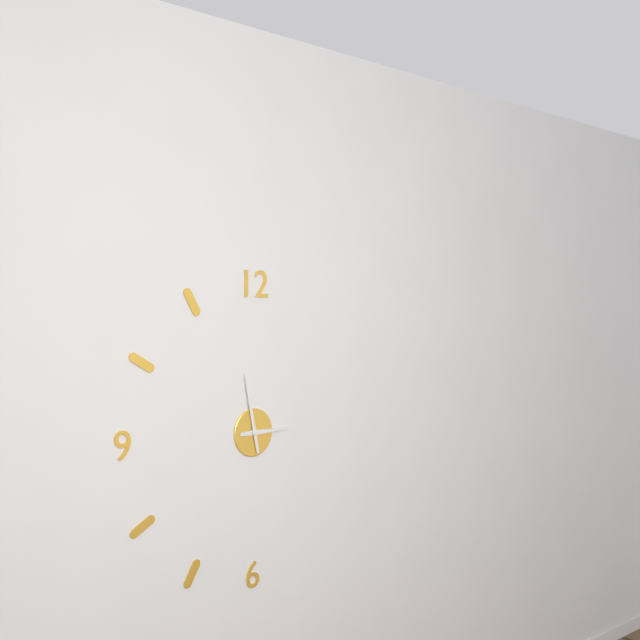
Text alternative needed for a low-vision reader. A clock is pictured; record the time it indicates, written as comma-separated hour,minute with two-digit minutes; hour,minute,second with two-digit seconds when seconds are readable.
2,58
